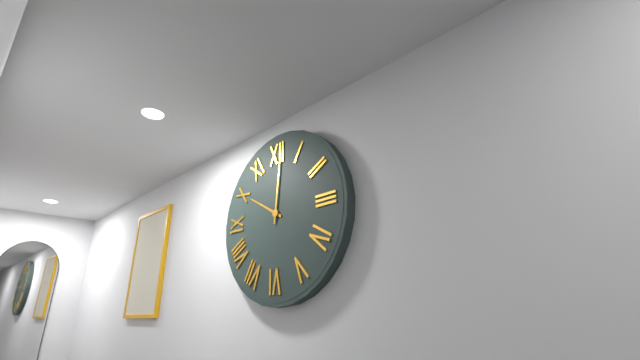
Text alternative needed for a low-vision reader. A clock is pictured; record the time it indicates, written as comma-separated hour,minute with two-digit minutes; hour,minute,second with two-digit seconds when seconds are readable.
10,01
